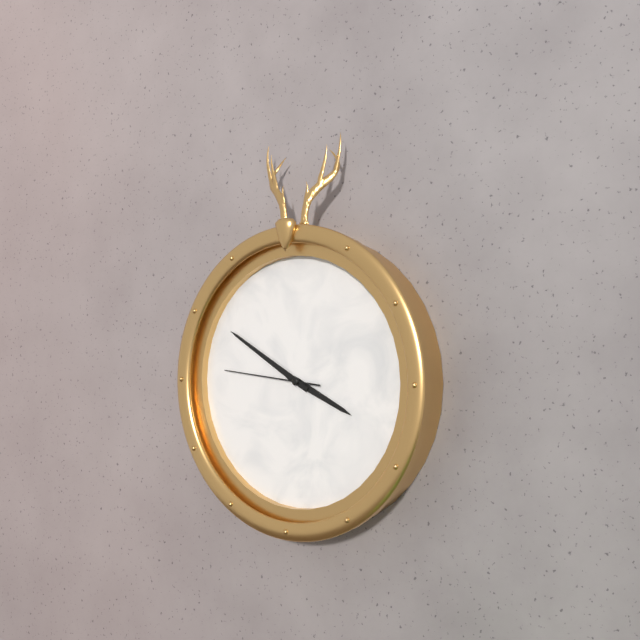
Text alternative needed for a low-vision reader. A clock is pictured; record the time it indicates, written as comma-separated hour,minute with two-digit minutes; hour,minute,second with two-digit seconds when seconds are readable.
3,50,46
